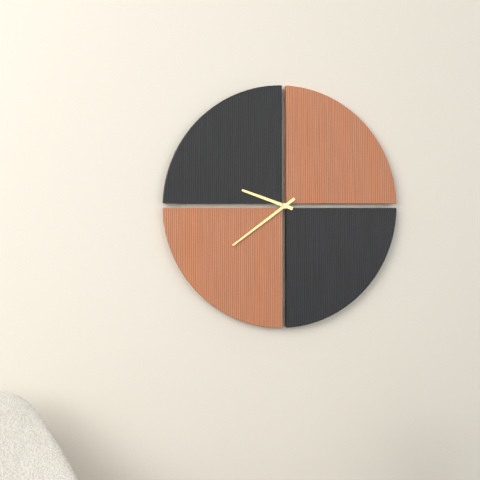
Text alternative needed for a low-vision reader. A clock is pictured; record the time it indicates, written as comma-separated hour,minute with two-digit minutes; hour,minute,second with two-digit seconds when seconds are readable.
9,39
